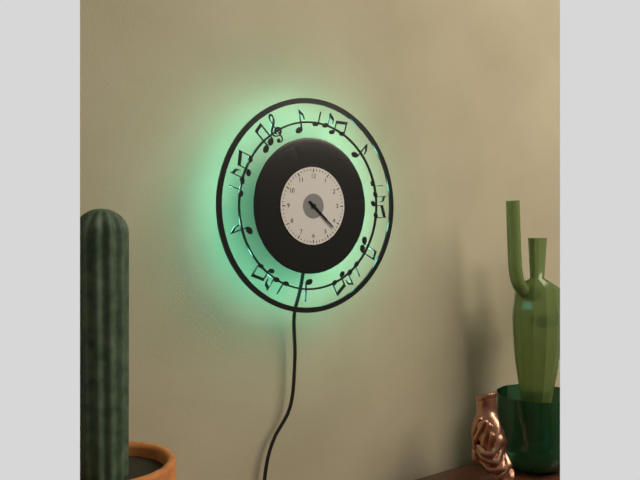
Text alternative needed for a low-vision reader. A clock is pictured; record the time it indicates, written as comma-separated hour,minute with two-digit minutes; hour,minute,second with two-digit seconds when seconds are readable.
4,22
